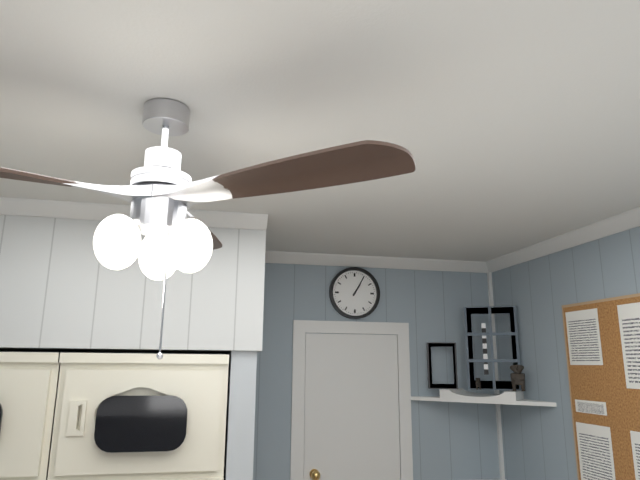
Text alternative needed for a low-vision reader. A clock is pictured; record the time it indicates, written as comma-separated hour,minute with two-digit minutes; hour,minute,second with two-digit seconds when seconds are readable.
1,05
